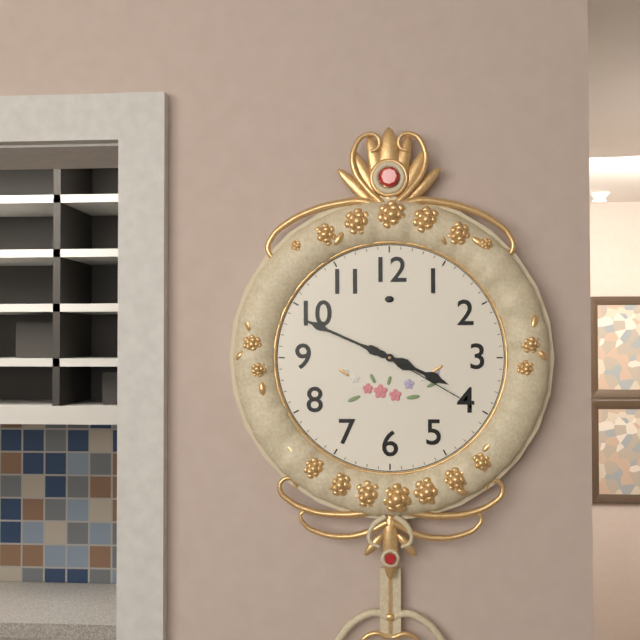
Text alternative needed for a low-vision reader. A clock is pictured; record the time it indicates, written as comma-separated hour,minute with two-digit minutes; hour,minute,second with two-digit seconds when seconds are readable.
3,49,20
